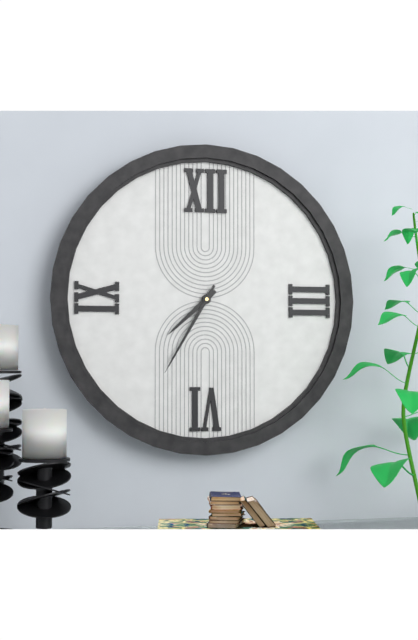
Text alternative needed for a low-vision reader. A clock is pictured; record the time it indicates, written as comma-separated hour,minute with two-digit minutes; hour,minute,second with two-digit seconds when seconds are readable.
7,35
